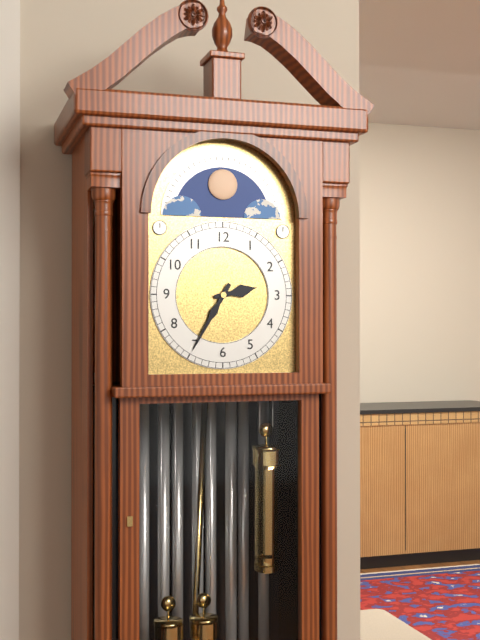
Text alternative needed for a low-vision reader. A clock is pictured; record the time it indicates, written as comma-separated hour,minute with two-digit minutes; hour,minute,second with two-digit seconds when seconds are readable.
2,35
